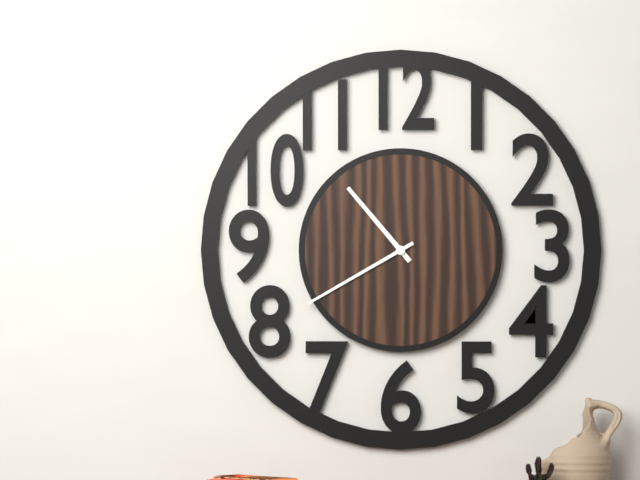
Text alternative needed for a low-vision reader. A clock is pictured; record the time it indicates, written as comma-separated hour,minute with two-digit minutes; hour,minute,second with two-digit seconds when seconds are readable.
10,40
